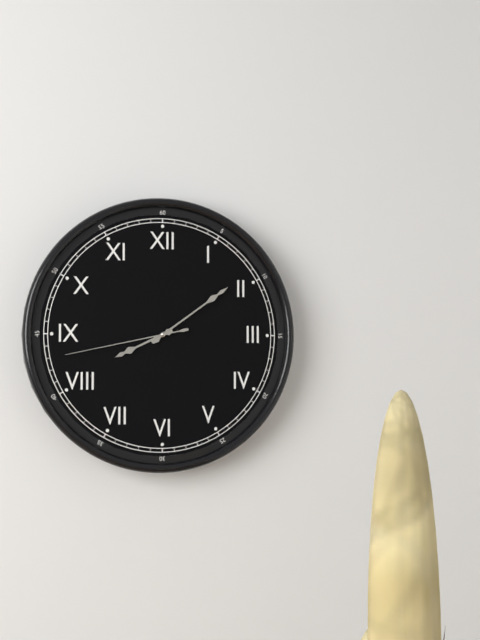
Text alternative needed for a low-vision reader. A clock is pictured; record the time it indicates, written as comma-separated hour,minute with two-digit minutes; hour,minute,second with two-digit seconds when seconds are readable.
8,09,43
